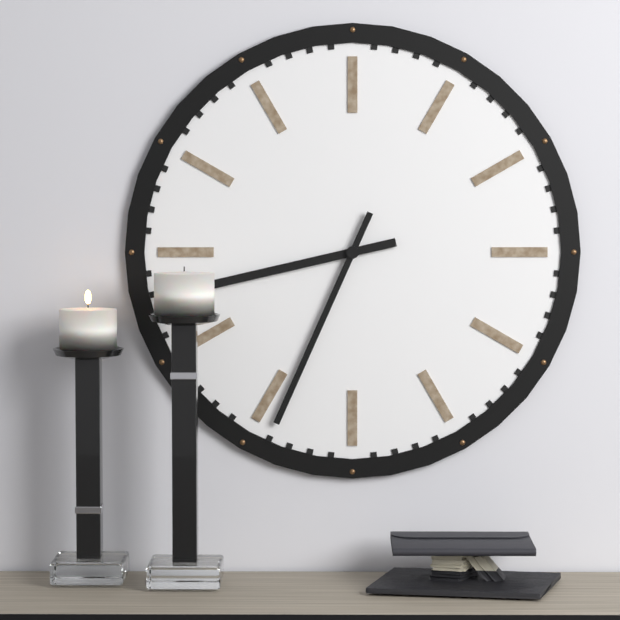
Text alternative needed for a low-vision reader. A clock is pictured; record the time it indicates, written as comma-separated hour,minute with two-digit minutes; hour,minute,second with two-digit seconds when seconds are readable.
8,34
